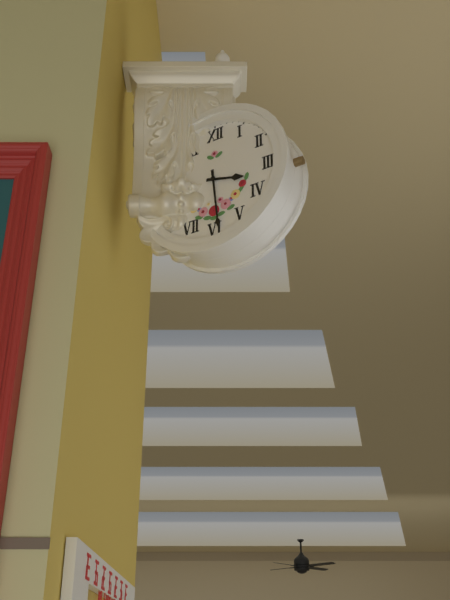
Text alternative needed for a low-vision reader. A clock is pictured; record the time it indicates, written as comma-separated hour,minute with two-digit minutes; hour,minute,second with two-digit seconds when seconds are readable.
3,29
